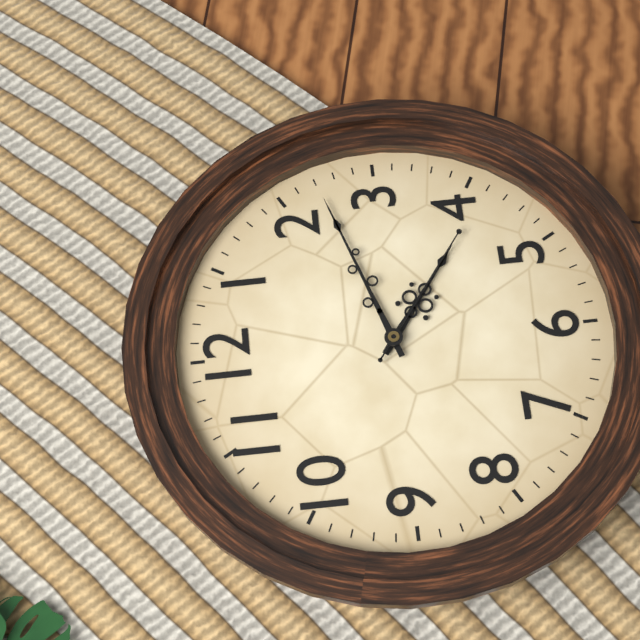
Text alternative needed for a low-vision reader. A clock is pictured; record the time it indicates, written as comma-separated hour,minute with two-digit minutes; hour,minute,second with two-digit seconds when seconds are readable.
4,12,21
